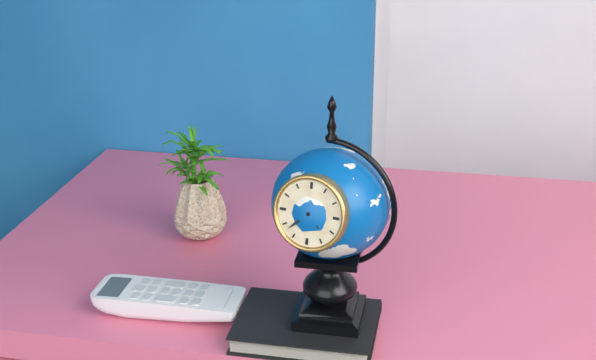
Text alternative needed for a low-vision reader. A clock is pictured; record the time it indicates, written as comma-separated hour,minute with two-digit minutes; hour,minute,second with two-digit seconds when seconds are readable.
4,38
